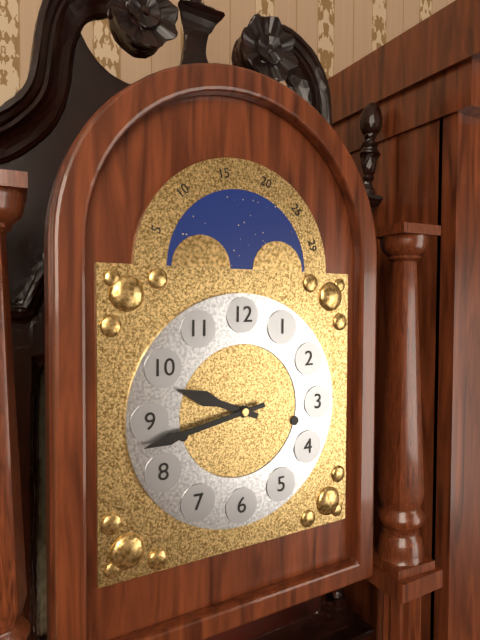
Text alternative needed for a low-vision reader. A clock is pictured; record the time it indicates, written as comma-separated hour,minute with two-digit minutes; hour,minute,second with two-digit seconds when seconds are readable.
9,43
